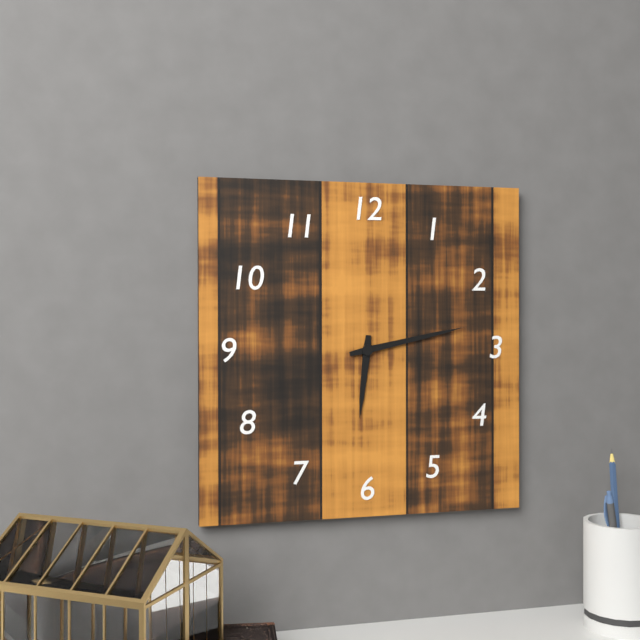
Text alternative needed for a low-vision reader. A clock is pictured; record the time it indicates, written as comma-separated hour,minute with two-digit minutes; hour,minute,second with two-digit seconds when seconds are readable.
6,13
